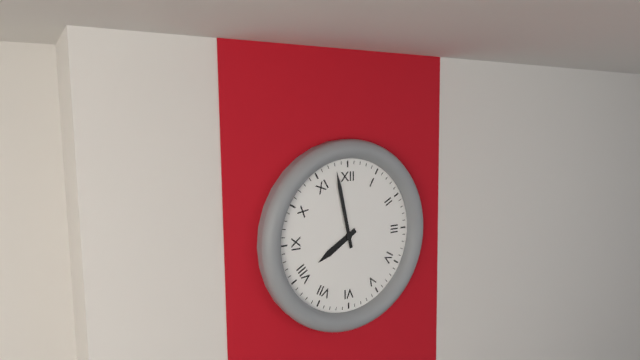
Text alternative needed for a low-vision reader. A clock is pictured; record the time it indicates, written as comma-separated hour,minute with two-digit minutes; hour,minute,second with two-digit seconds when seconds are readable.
7,58
